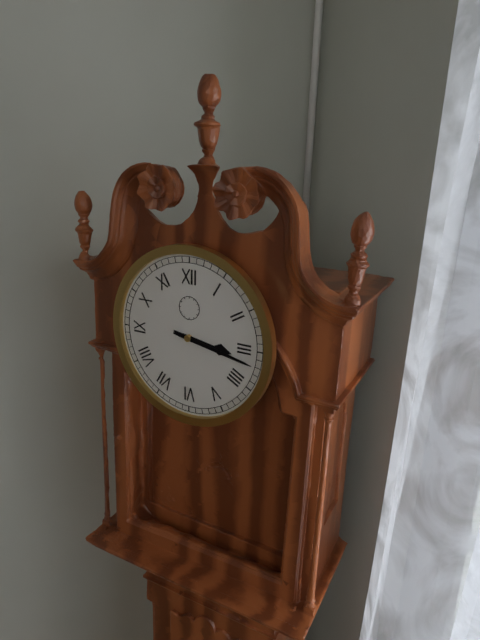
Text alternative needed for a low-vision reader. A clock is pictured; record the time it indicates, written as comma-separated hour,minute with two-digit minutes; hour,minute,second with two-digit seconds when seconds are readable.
3,17
